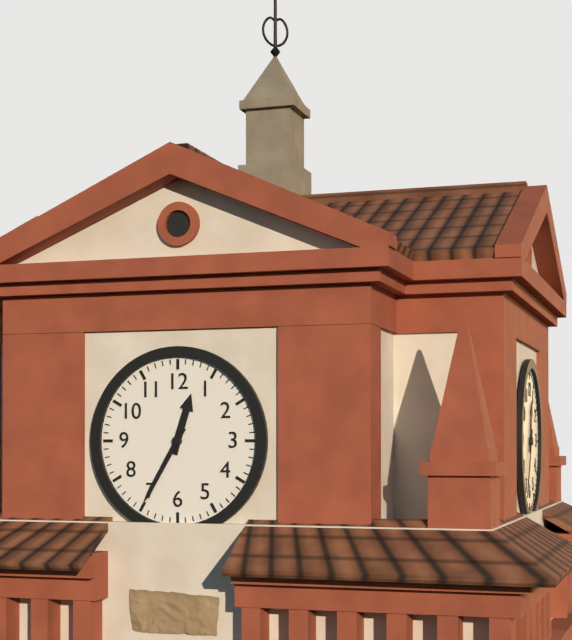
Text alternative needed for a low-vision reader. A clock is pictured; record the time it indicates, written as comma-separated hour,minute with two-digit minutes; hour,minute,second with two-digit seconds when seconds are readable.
12,35
